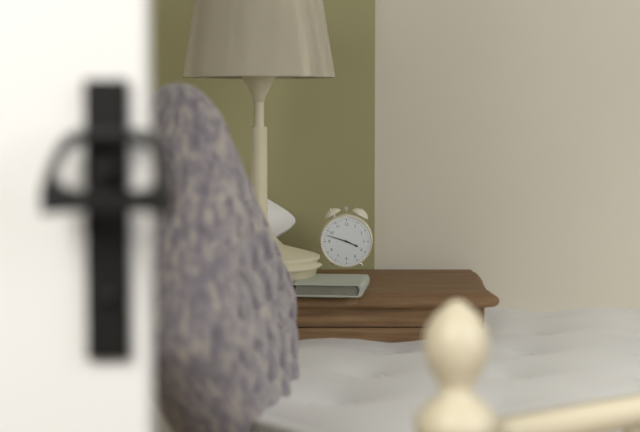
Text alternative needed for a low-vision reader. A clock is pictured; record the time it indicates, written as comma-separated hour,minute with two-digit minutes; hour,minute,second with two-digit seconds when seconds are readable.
3,48
